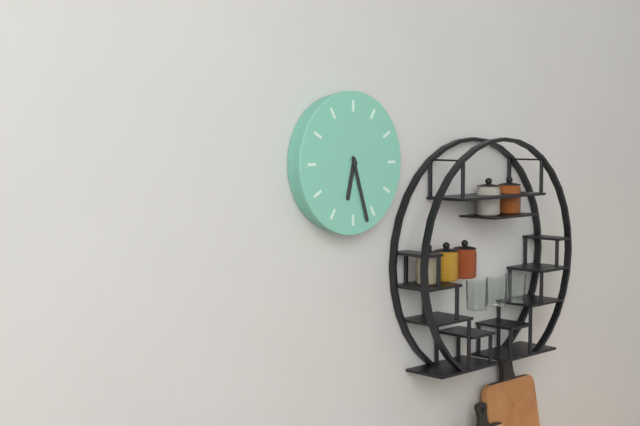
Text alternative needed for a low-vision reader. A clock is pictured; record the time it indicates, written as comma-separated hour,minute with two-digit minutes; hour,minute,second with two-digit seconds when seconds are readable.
6,27
